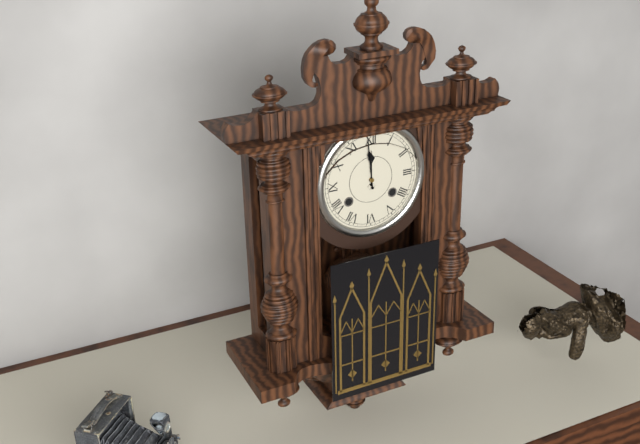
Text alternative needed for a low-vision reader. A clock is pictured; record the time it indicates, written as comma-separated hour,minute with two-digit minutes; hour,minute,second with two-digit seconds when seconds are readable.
11,59
